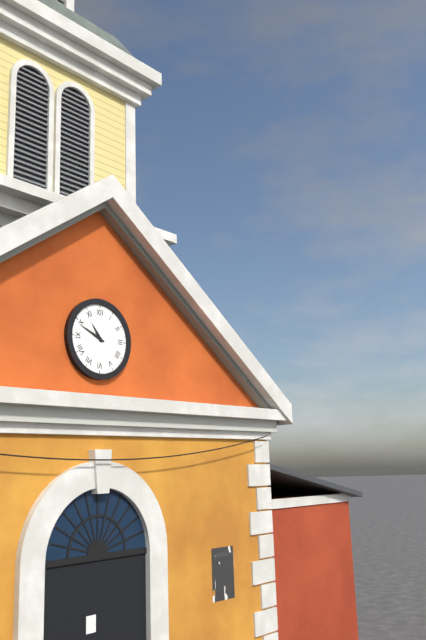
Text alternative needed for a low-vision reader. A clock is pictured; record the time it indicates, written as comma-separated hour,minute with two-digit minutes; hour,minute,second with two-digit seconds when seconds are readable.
10,49
